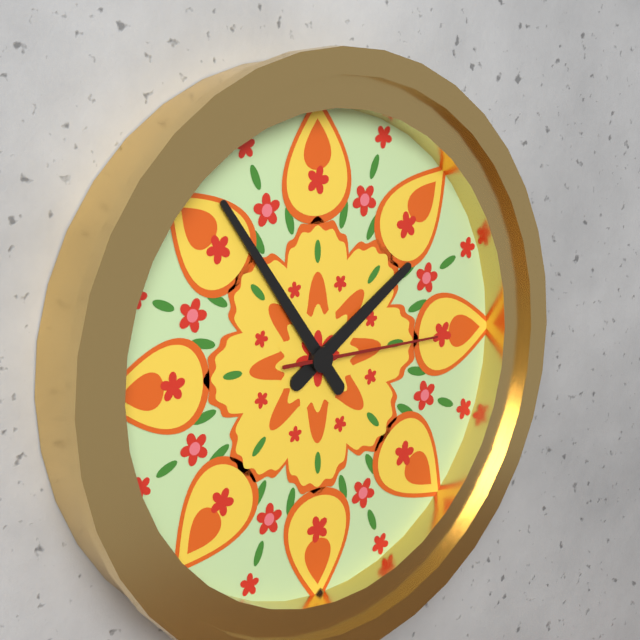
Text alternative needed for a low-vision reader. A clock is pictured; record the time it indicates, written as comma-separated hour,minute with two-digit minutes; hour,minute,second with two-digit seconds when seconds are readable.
1,54,15
